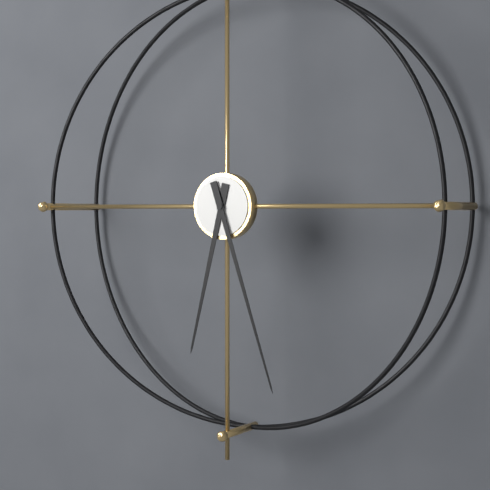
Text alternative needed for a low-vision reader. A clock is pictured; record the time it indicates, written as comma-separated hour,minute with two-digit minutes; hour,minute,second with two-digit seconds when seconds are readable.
6,27
